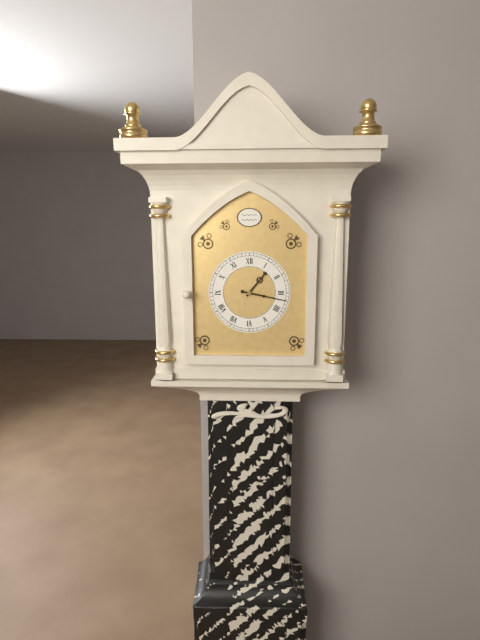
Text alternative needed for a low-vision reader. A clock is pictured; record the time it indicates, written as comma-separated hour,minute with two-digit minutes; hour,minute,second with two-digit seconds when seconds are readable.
1,17
